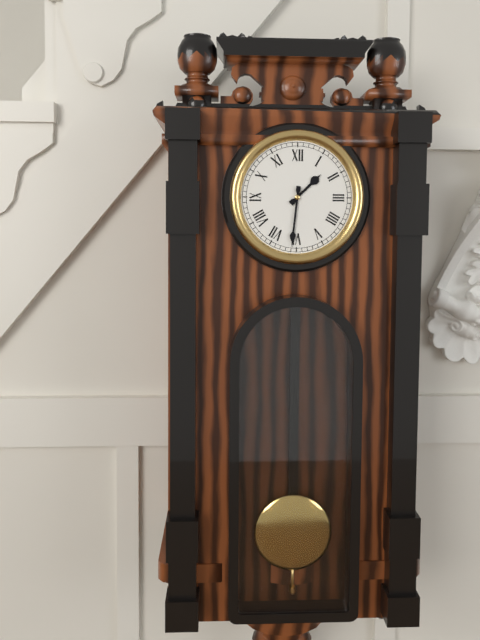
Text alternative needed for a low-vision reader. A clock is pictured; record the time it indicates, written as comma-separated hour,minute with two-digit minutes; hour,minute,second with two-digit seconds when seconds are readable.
1,31
